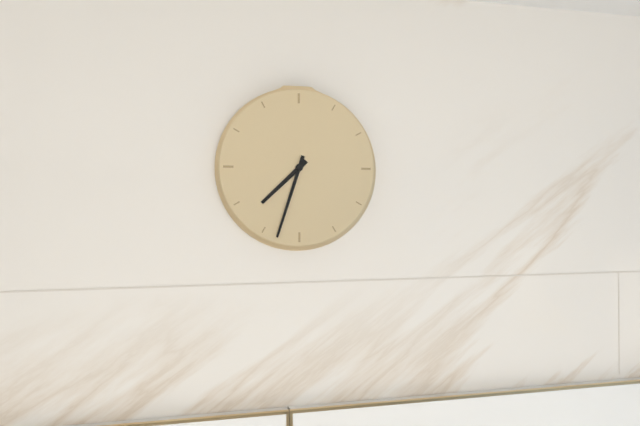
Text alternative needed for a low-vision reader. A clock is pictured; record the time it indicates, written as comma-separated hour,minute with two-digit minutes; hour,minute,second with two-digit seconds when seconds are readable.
7,33
